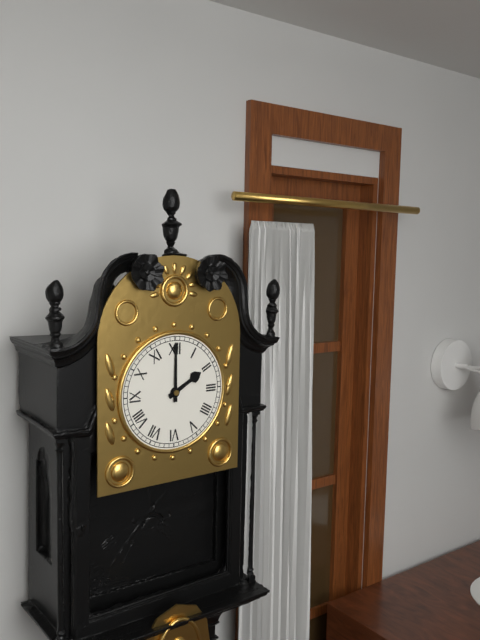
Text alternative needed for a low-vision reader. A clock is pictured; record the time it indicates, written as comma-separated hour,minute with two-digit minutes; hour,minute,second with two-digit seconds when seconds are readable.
2,00
